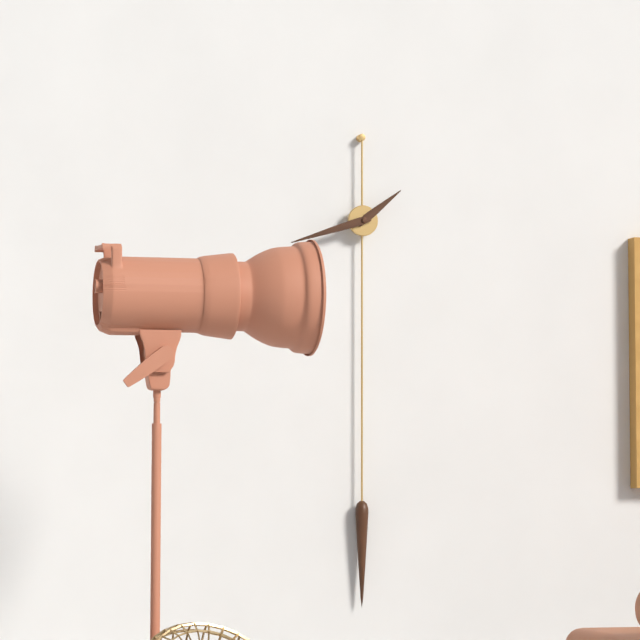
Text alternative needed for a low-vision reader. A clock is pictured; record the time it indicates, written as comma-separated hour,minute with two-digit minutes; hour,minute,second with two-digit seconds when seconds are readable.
1,42
